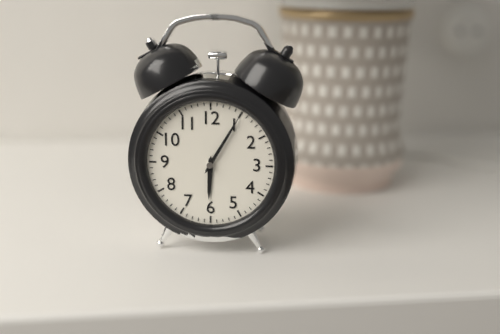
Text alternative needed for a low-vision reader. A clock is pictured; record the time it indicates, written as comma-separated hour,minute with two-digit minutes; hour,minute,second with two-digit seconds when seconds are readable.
6,05
